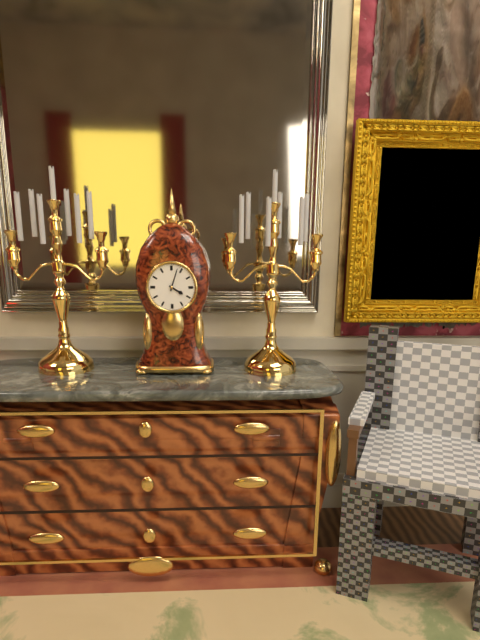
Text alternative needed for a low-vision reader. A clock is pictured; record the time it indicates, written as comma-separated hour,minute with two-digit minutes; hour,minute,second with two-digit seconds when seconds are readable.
4,03
